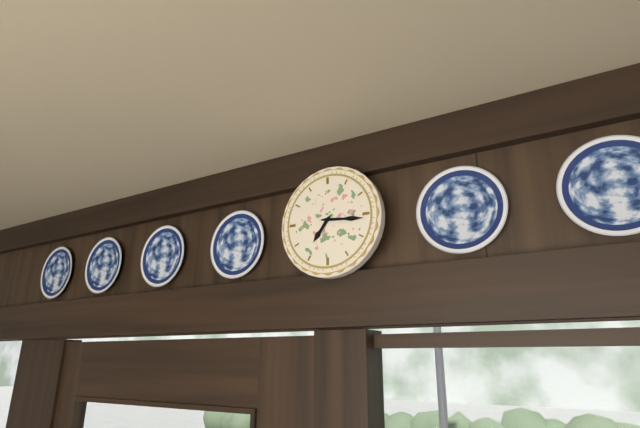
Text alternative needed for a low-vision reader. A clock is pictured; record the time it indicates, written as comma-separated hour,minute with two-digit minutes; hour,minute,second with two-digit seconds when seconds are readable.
7,16
